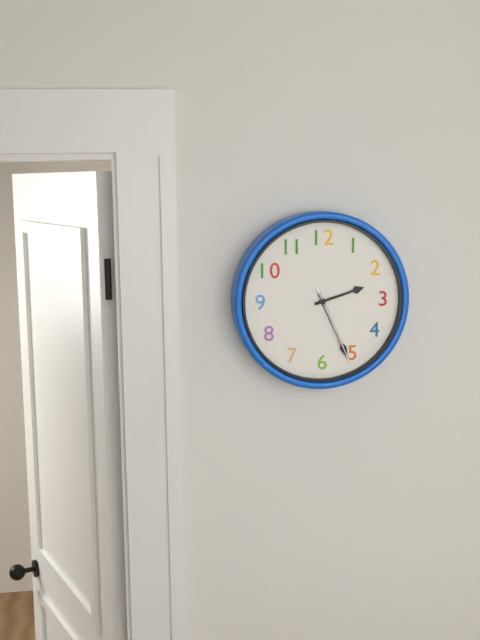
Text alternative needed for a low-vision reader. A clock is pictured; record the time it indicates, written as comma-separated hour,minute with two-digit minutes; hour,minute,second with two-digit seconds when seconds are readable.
2,26,26
